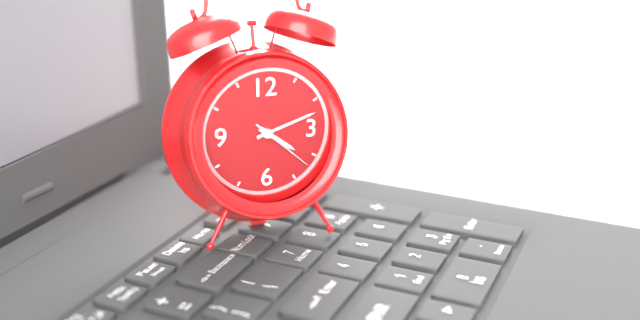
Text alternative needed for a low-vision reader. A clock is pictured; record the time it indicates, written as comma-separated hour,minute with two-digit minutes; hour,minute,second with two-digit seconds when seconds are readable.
4,12,22
